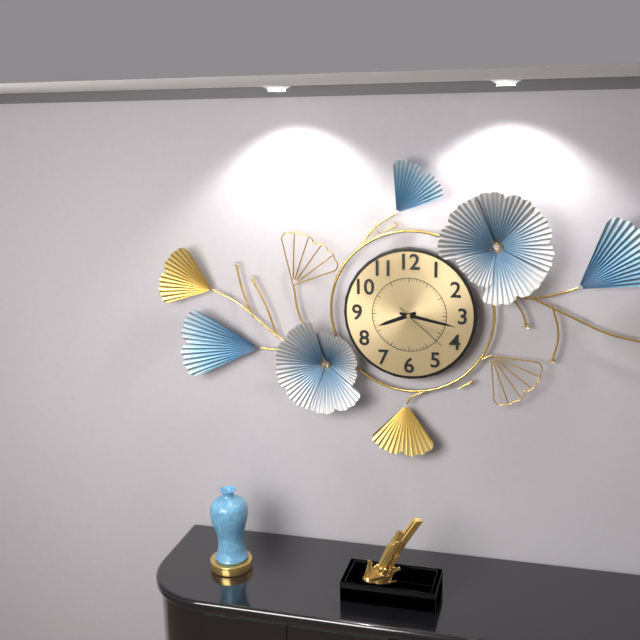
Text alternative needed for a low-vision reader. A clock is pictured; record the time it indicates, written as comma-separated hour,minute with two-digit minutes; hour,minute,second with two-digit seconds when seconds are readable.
8,17,22
